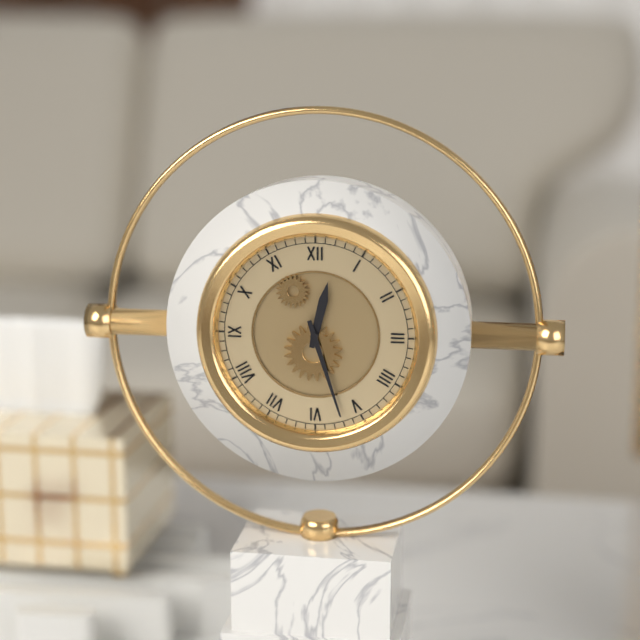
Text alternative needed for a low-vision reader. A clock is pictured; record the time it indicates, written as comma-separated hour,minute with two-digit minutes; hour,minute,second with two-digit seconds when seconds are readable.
12,27
